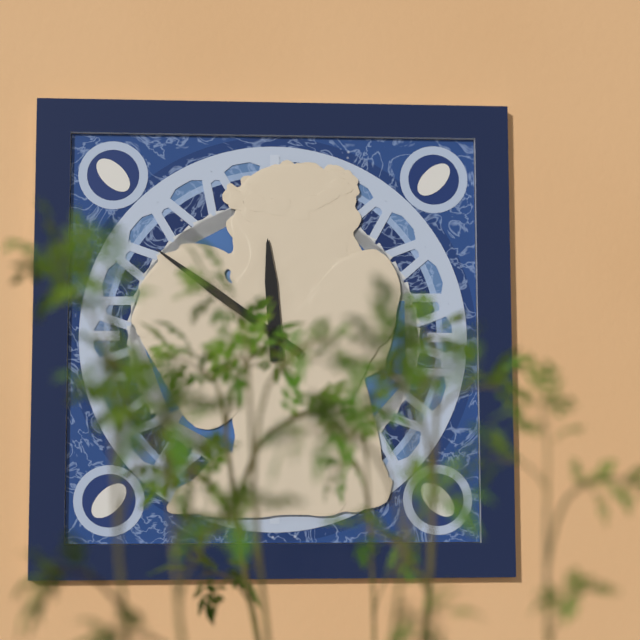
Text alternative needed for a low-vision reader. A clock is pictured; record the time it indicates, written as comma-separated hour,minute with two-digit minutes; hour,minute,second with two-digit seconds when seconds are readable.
11,51
